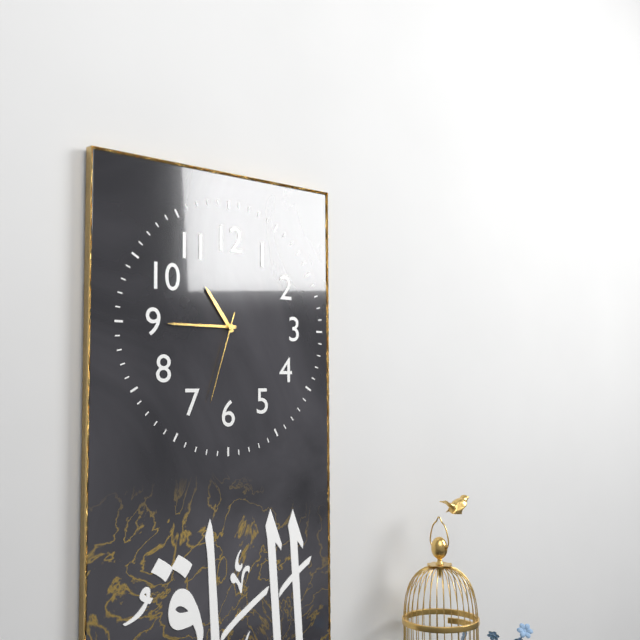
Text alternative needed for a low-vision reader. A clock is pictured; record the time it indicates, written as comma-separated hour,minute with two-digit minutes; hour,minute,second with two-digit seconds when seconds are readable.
10,45,33
